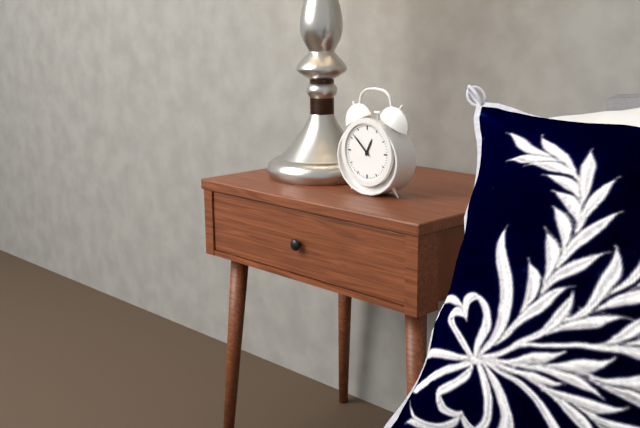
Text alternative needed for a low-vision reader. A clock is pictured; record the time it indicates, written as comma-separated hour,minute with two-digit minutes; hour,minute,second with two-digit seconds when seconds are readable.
12,52
